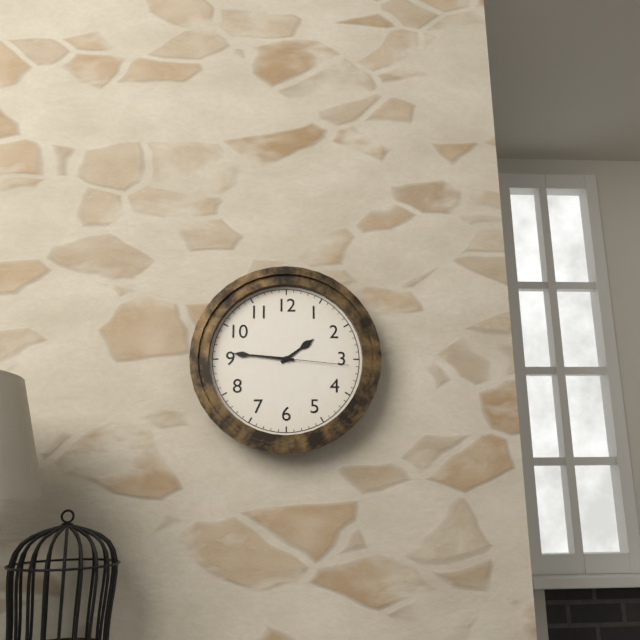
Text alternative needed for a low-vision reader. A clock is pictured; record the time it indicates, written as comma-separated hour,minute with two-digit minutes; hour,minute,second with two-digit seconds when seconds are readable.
1,46,16
